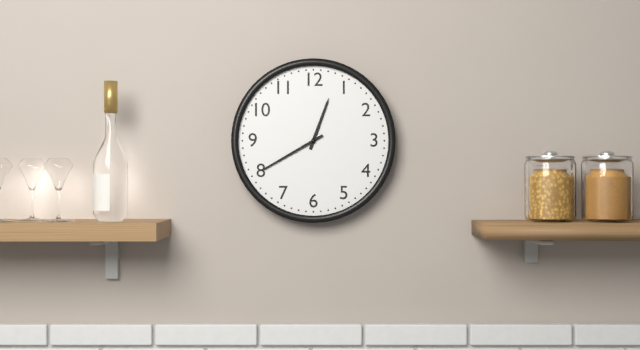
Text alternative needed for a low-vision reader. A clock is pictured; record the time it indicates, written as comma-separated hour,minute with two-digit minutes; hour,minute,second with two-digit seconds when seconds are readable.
12,40
